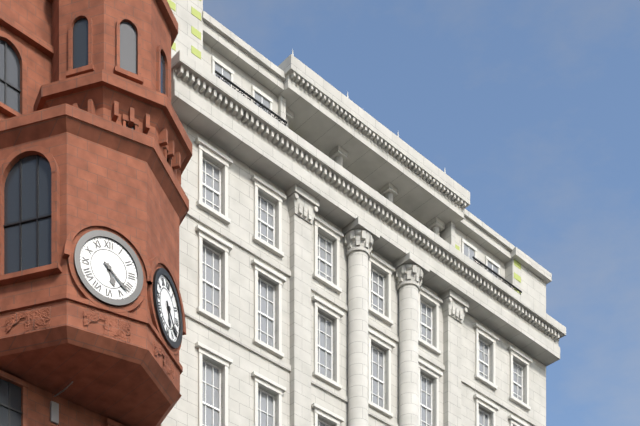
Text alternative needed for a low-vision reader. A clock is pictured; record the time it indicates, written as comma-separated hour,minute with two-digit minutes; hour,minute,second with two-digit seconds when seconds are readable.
5,22
